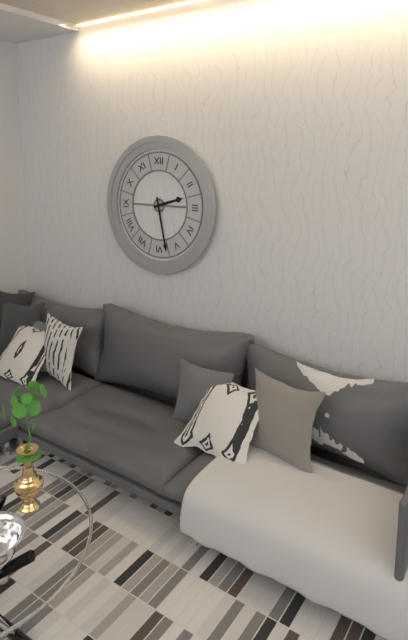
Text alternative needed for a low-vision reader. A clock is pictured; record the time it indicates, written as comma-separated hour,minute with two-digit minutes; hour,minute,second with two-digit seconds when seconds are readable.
2,28
